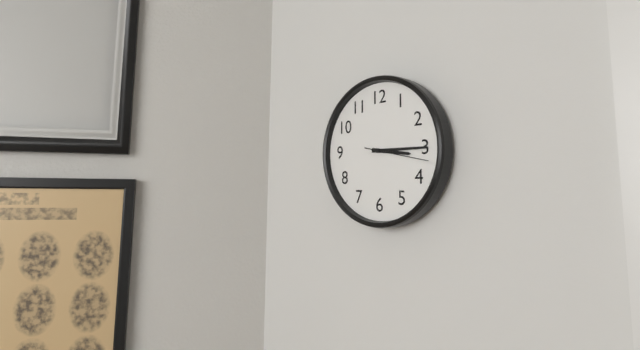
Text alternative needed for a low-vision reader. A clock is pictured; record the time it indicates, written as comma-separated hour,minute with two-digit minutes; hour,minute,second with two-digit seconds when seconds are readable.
3,15,17
